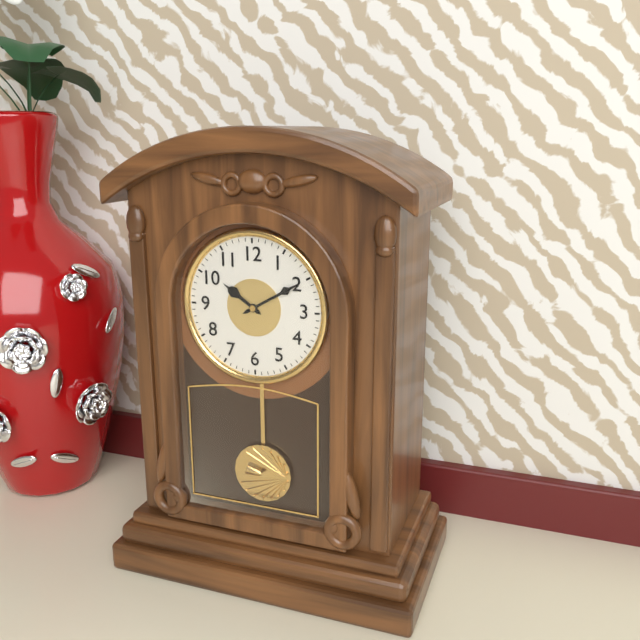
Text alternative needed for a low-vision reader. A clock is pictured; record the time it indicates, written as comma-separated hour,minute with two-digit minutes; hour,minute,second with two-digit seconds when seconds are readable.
10,10
